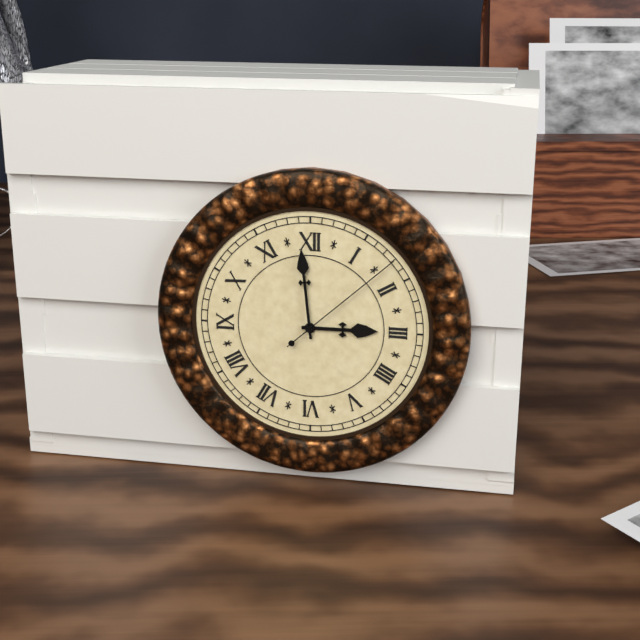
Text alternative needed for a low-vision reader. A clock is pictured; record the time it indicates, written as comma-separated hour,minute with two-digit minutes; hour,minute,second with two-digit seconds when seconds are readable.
2,59,08
